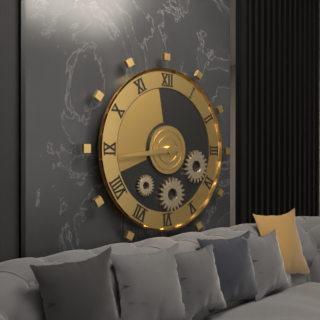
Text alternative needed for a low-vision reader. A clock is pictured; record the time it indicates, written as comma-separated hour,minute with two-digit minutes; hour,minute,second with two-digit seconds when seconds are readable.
8,44
